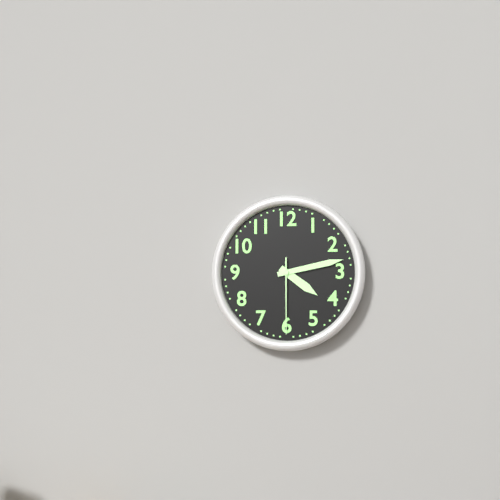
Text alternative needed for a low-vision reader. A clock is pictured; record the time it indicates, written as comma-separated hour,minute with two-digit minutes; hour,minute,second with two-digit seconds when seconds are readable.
4,13,30
